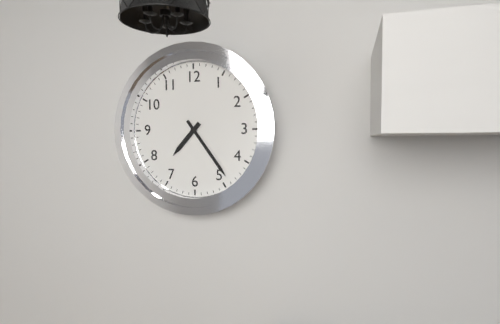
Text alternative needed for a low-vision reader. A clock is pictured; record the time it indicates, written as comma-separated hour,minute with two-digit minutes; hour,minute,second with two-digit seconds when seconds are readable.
7,24
